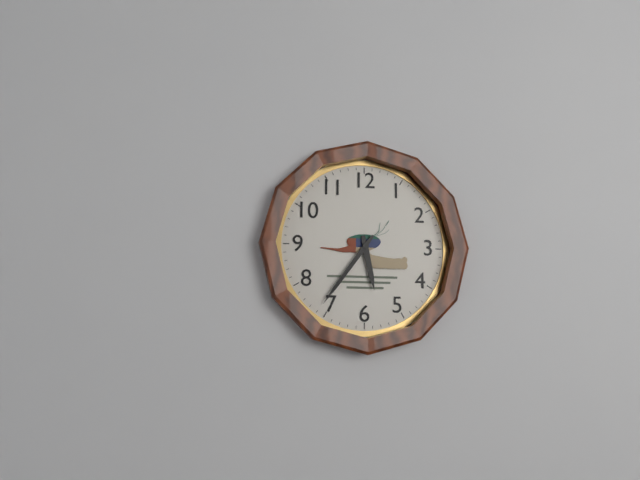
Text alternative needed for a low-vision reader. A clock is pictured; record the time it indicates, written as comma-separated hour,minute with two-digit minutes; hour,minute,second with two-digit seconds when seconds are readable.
5,36
